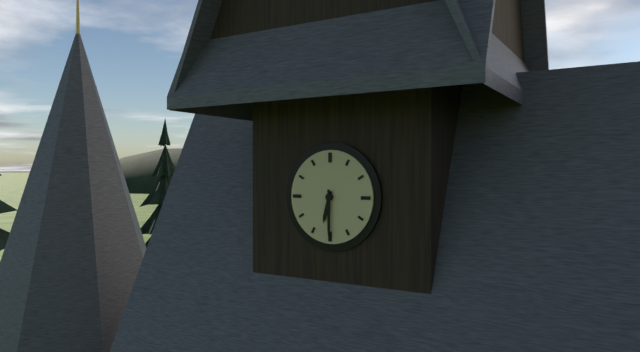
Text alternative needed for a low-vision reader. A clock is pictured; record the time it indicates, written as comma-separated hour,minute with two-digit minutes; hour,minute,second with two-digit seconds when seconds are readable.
6,30
